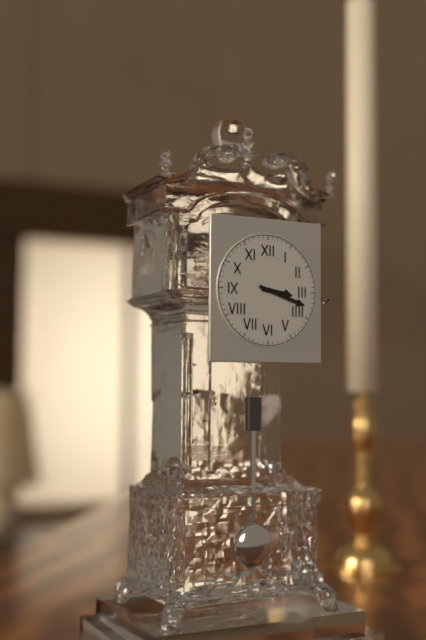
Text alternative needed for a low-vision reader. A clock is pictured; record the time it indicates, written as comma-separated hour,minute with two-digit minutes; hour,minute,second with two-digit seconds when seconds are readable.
3,18
